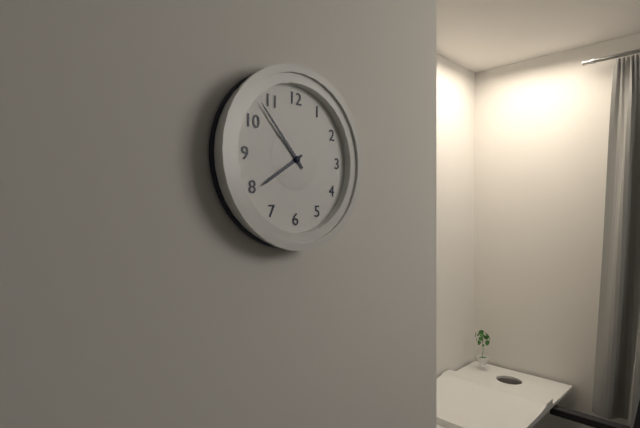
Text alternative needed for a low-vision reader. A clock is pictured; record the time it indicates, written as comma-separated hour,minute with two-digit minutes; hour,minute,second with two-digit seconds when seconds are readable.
7,53
